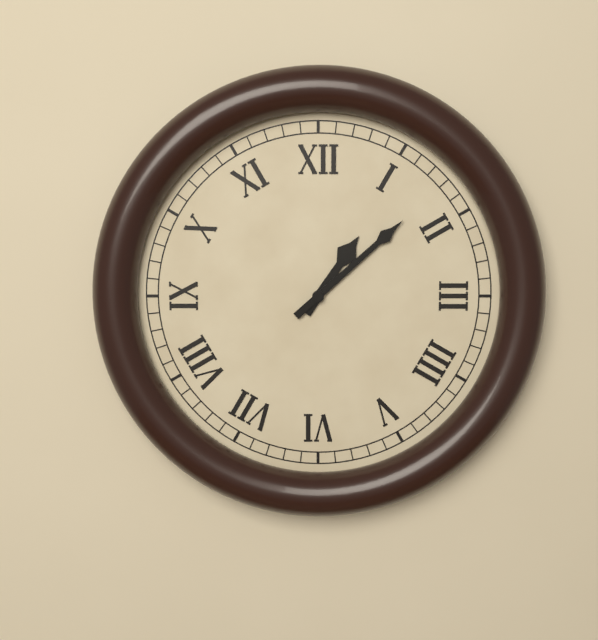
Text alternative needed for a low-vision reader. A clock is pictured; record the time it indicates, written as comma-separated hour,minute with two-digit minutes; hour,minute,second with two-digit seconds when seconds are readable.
1,08
